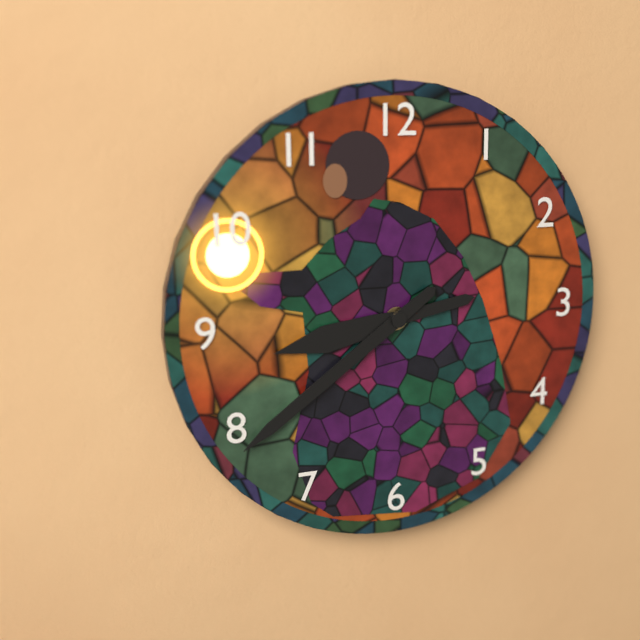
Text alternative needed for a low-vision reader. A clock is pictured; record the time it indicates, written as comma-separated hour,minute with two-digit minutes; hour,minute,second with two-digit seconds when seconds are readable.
8,39
